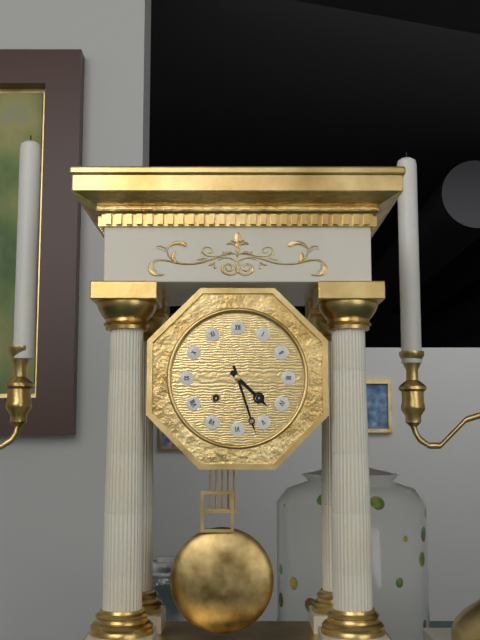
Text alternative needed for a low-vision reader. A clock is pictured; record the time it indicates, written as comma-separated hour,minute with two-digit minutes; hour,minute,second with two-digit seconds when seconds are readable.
4,27
